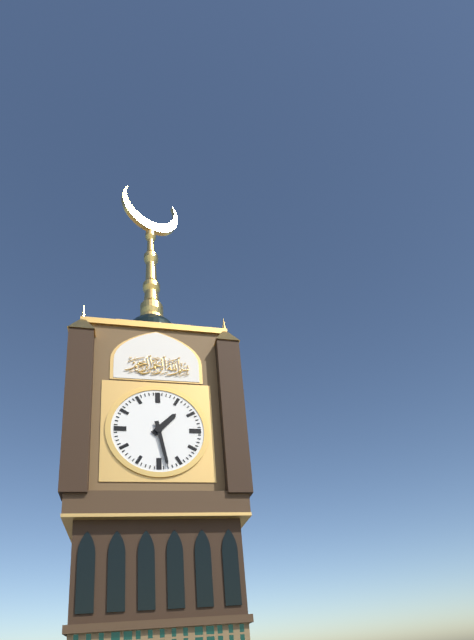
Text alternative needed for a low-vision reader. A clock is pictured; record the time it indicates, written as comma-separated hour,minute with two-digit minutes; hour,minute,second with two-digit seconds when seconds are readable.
1,28
